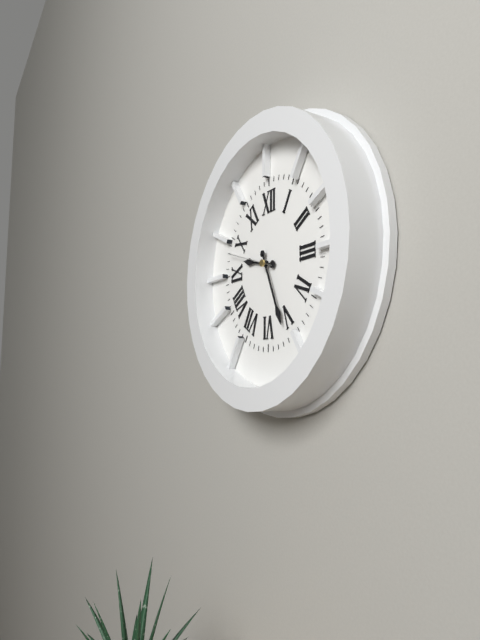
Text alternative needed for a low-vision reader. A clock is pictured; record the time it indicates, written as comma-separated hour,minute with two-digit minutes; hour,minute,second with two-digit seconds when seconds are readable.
9,26
